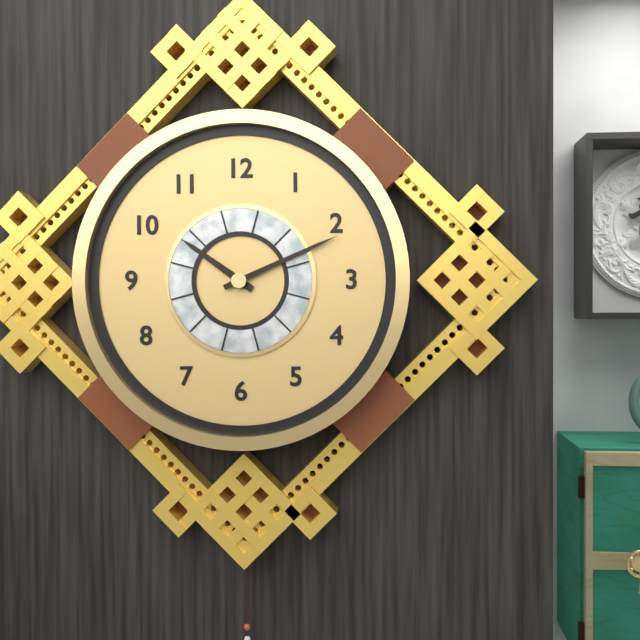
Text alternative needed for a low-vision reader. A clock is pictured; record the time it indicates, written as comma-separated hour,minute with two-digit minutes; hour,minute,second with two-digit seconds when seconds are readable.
10,11
